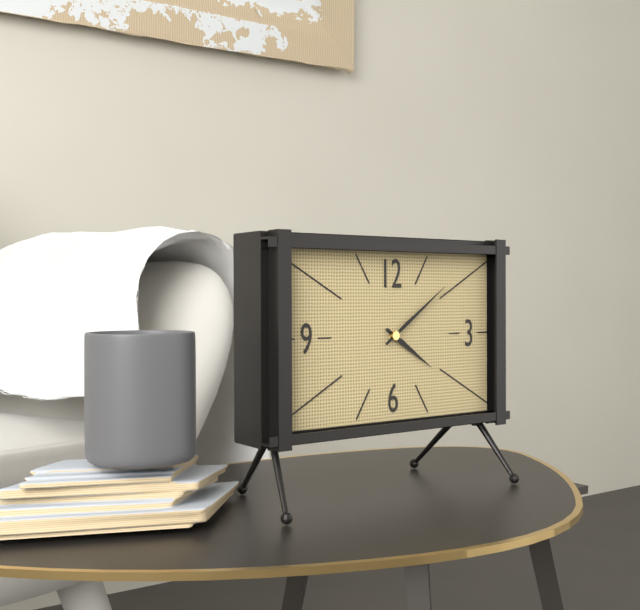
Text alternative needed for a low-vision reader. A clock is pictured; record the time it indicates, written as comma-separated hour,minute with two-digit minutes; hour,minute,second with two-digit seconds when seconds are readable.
4,09
